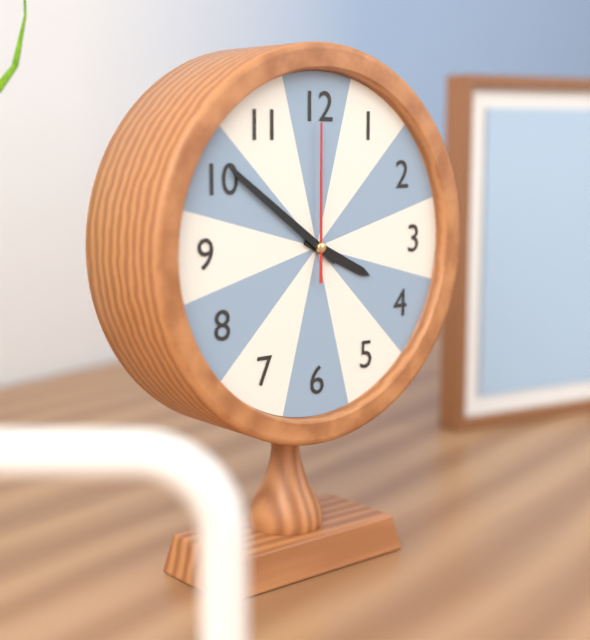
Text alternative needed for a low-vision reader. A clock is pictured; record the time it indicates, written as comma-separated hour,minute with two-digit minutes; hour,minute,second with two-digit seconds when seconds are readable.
3,51,00
